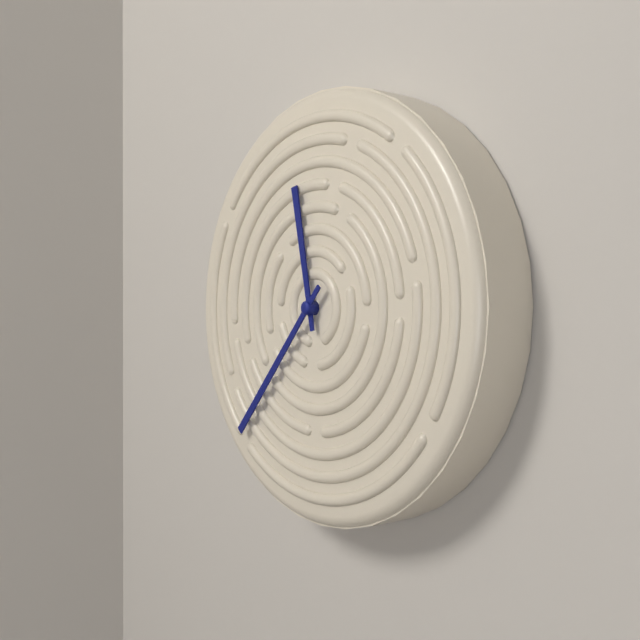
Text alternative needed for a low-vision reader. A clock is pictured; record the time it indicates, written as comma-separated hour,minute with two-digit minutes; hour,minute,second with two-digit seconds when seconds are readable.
11,37
